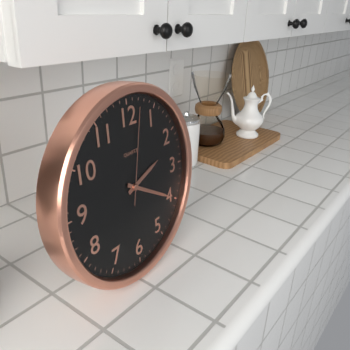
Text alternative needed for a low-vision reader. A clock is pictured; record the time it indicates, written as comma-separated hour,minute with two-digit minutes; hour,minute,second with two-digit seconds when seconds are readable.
2,20,02
